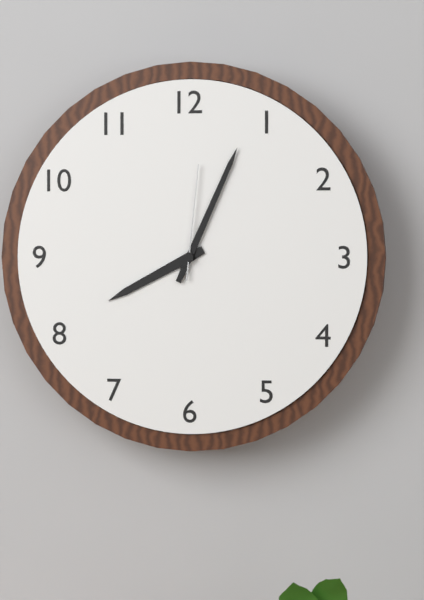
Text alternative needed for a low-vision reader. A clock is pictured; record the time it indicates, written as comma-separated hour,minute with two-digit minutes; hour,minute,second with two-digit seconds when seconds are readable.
8,04,01
